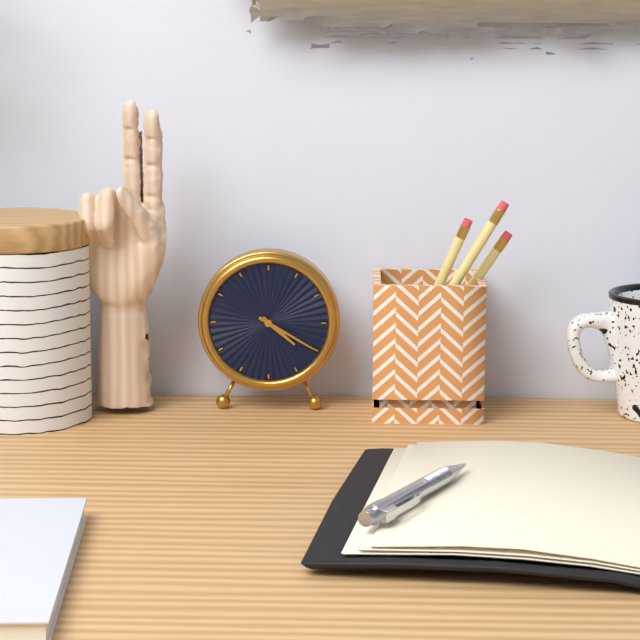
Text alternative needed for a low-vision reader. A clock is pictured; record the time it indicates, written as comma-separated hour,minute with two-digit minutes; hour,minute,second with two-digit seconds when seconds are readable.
4,20
